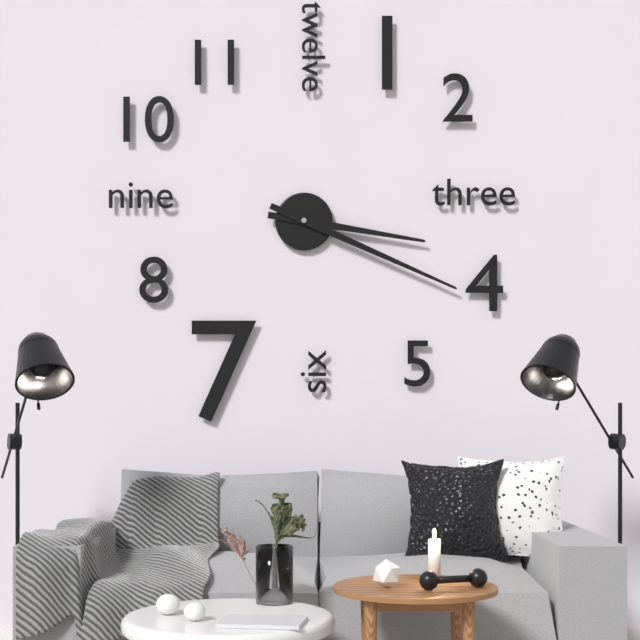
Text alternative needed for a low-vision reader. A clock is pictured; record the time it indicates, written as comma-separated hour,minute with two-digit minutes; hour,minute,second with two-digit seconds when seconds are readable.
3,19
